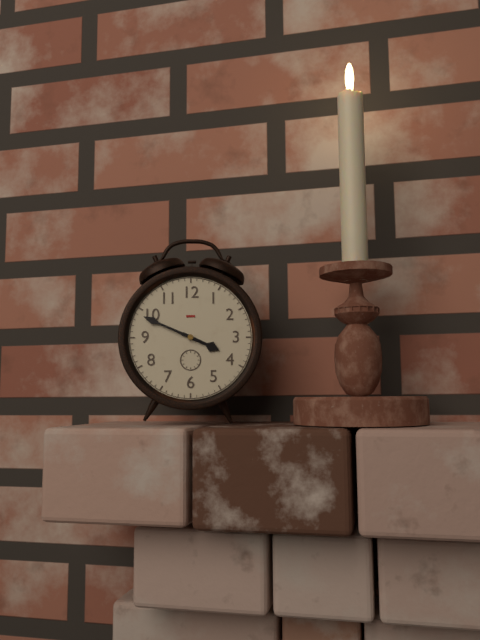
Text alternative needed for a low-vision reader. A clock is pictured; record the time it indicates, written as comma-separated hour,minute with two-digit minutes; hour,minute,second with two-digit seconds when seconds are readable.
3,49
